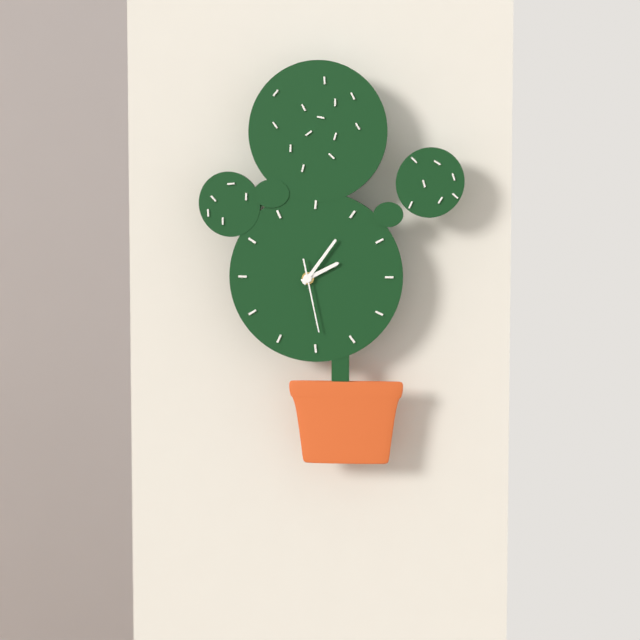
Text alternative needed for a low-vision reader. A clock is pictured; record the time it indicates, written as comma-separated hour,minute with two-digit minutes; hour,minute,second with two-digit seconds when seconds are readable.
2,06,28
